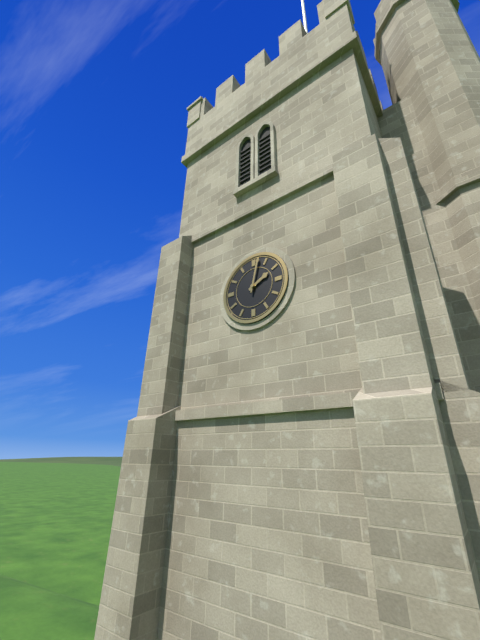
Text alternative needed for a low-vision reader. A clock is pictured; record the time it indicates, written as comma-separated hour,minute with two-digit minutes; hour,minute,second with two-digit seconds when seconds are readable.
2,02
